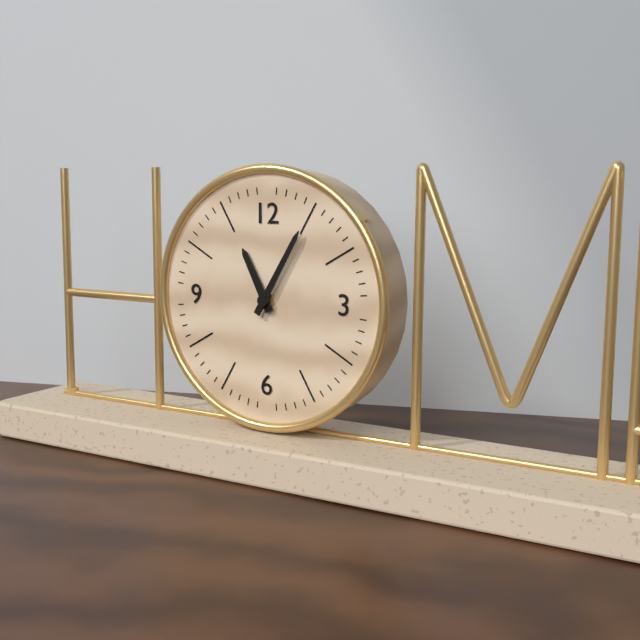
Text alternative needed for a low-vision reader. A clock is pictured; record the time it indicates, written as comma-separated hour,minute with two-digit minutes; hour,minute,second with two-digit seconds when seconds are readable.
11,05
